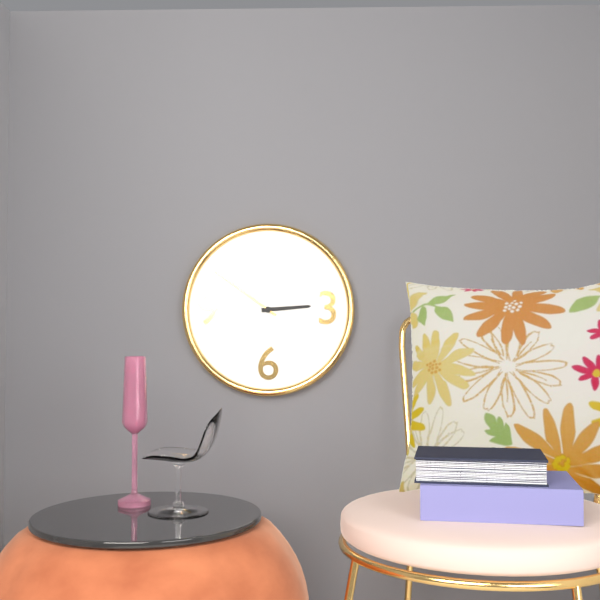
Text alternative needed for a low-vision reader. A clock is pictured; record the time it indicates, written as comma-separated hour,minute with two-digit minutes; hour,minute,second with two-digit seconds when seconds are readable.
2,51
